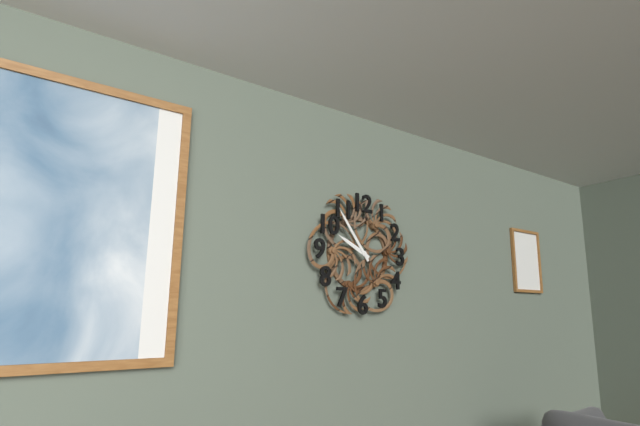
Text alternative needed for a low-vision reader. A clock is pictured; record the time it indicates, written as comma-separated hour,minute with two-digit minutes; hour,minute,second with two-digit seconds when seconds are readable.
9,54
